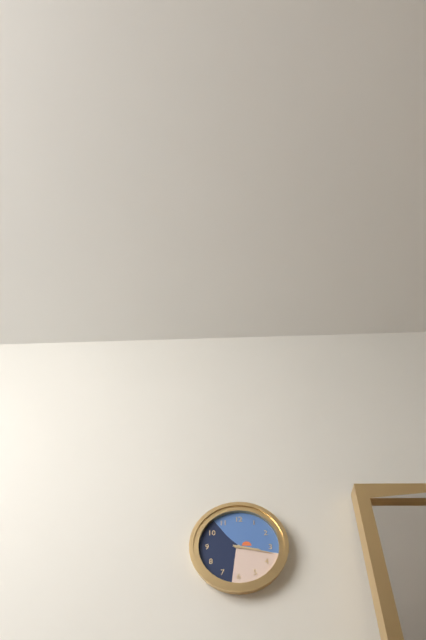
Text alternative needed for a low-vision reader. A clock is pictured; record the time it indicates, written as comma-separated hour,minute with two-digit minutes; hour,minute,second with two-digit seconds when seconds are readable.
3,17
